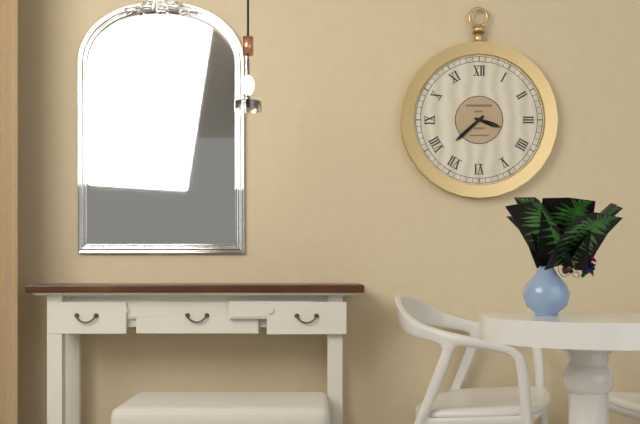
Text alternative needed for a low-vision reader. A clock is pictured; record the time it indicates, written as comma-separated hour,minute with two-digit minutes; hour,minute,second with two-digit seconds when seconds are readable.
3,38
